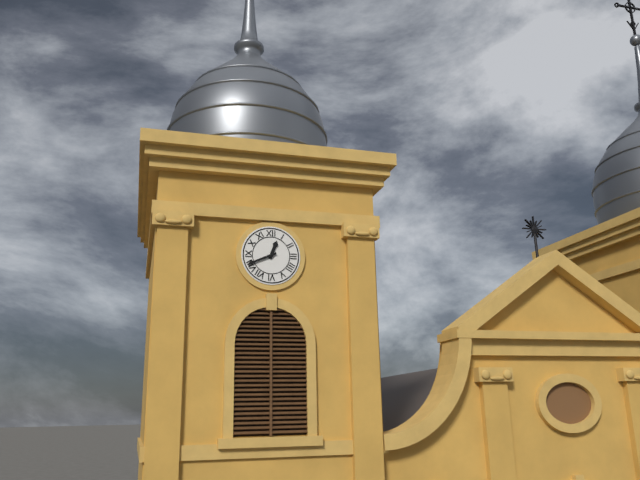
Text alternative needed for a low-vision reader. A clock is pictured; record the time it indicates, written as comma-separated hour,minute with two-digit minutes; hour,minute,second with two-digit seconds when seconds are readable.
12,41
